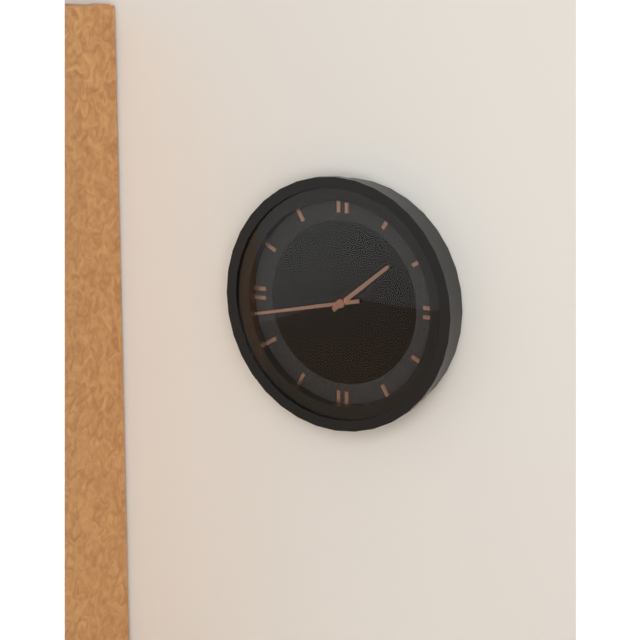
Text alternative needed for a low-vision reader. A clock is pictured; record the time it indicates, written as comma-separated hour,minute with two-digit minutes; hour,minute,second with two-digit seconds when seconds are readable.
1,43
